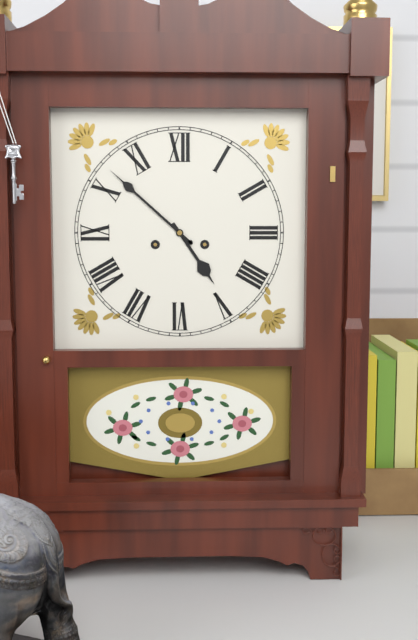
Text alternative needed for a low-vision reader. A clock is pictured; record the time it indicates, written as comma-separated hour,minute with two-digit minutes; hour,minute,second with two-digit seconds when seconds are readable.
4,52
